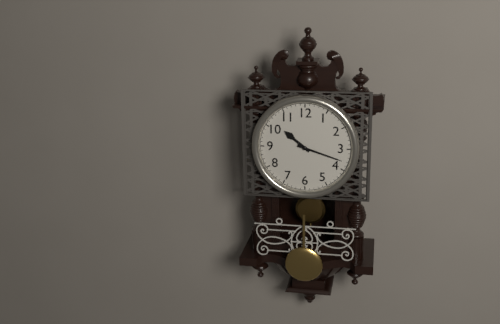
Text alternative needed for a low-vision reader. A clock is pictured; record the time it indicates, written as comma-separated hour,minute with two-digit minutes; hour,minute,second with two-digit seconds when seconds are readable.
10,18
